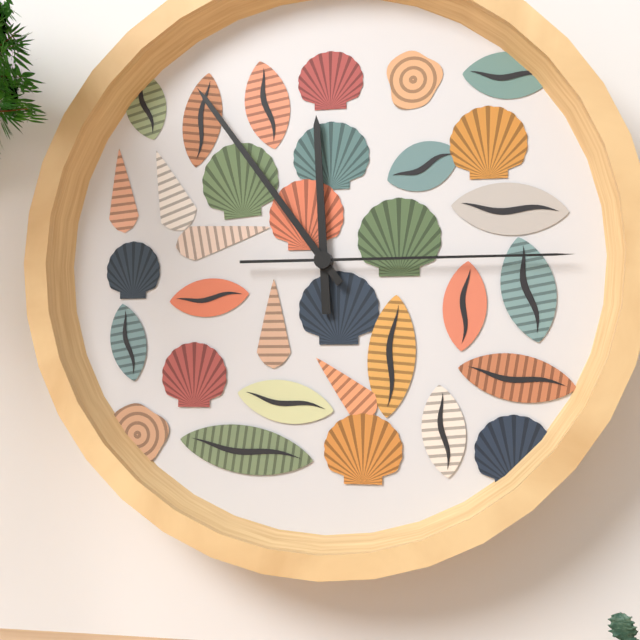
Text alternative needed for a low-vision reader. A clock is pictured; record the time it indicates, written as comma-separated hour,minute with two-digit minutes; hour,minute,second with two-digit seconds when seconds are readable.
11,54,15
